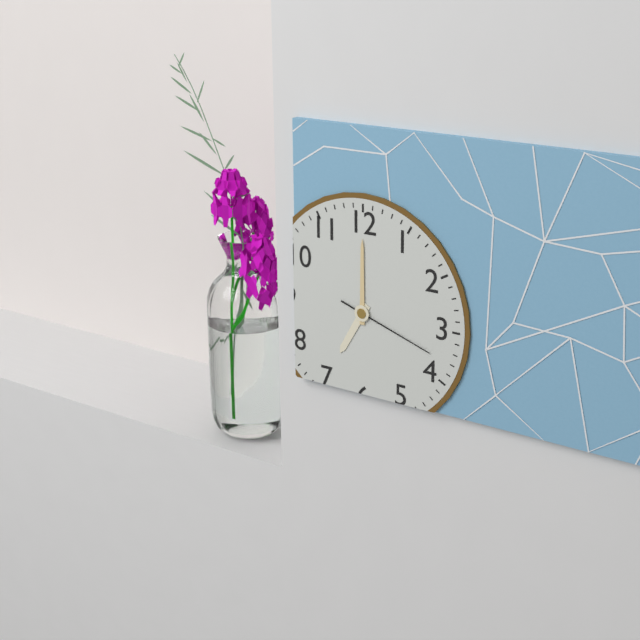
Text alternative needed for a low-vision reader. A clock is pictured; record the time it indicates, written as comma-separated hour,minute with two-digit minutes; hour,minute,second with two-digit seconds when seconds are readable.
7,00,18
